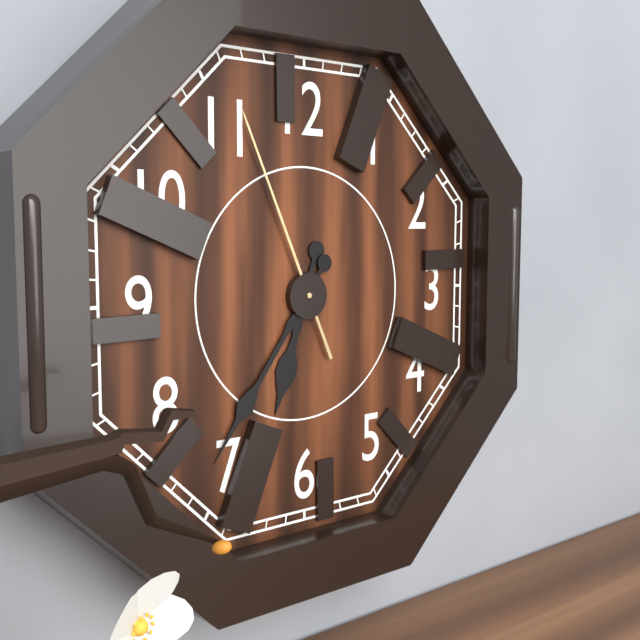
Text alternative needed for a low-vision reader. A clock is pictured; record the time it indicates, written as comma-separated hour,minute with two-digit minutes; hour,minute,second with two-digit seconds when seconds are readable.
6,36,56
